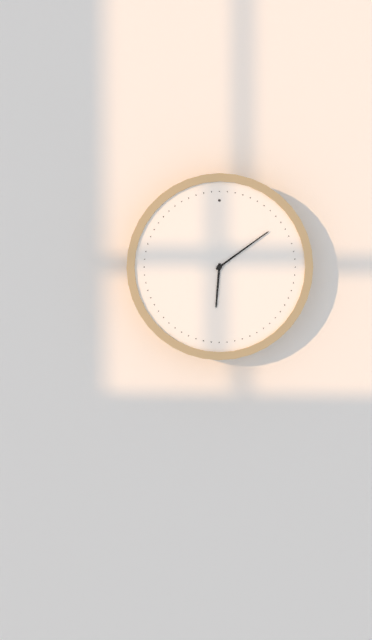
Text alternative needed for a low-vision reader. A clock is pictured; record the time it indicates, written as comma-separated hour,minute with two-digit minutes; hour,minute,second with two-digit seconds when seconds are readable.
6,09
